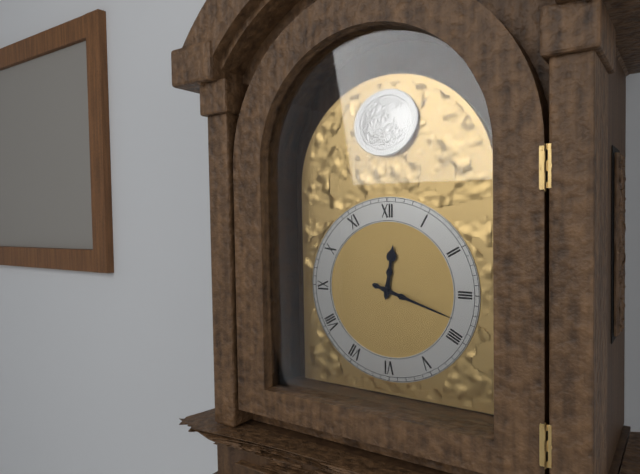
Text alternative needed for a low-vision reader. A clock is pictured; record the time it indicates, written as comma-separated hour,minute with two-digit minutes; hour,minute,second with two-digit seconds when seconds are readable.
12,18
